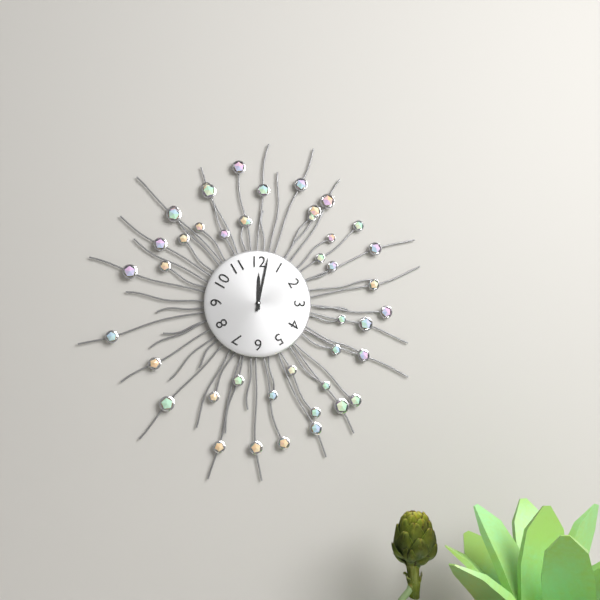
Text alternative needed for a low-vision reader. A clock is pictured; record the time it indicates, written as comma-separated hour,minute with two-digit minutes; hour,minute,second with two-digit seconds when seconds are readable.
12,02
